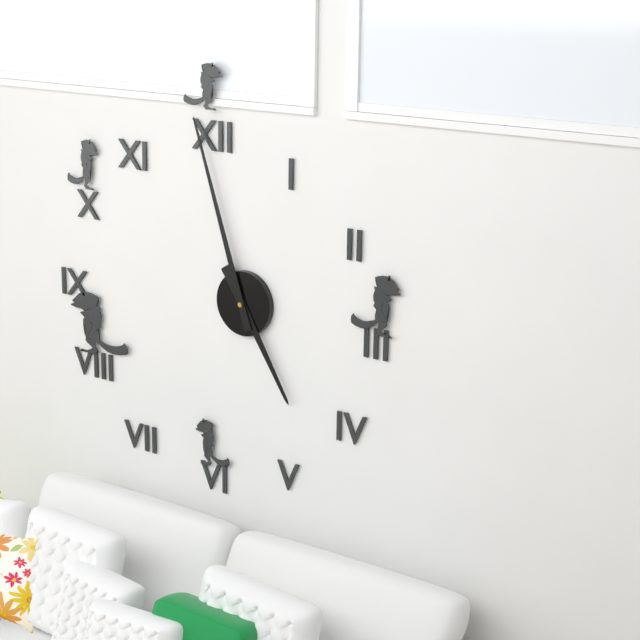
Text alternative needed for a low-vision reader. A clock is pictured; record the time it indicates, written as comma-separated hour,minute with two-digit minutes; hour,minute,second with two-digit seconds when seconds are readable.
4,57
